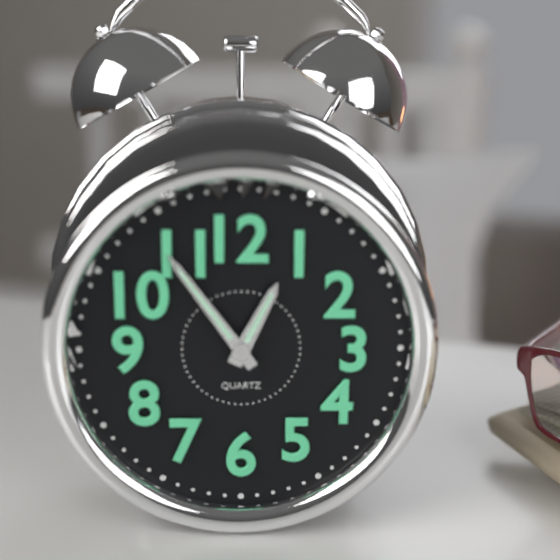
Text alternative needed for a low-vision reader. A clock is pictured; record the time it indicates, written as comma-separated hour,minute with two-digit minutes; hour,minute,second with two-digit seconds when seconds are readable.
12,54
